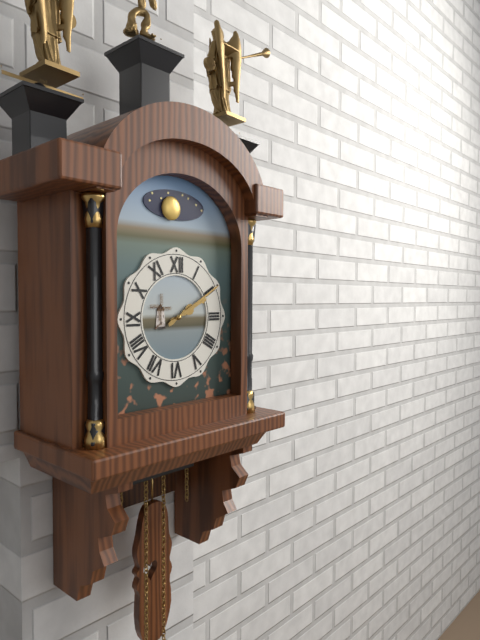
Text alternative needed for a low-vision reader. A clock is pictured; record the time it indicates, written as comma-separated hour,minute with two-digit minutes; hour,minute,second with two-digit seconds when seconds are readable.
2,10
